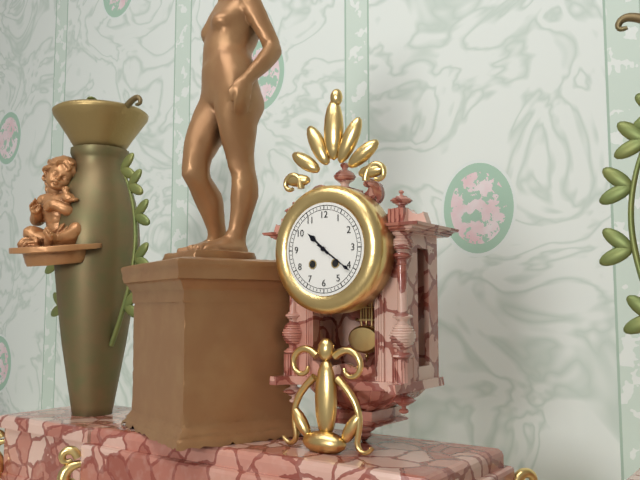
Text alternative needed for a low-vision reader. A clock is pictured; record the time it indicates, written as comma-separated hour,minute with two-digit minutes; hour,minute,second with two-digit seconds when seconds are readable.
10,21
